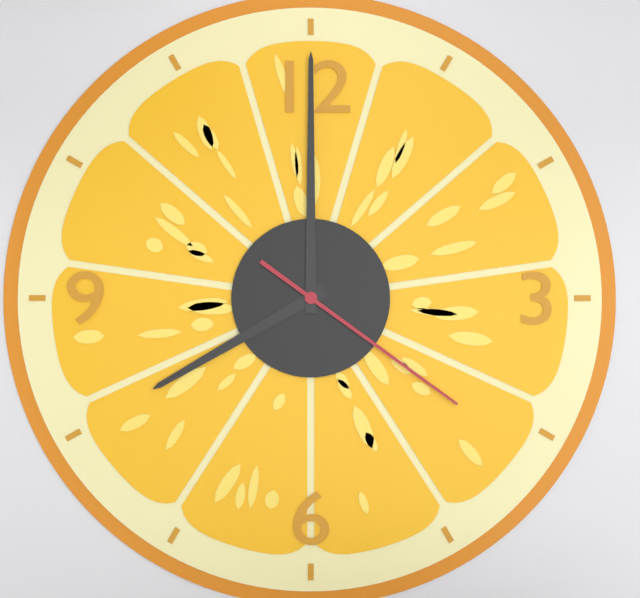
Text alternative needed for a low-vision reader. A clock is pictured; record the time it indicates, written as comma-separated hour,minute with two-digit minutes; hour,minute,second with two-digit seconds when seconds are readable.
8,00,21
